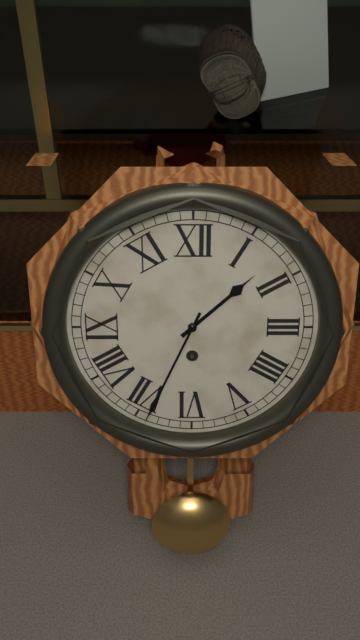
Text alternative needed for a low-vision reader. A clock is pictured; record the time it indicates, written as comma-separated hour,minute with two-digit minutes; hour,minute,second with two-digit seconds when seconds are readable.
1,34
